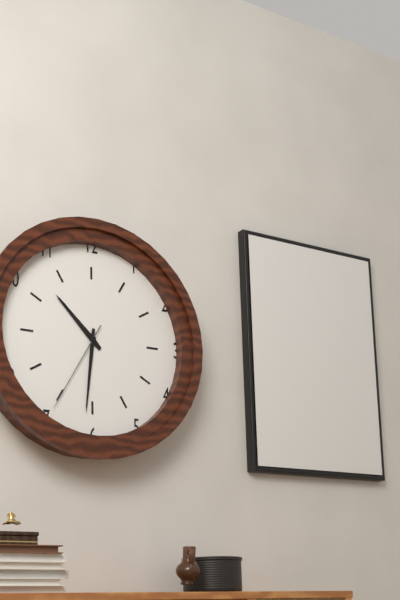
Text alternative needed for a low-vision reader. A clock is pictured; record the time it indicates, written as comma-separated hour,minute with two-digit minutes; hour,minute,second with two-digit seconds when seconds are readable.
10,31,35
